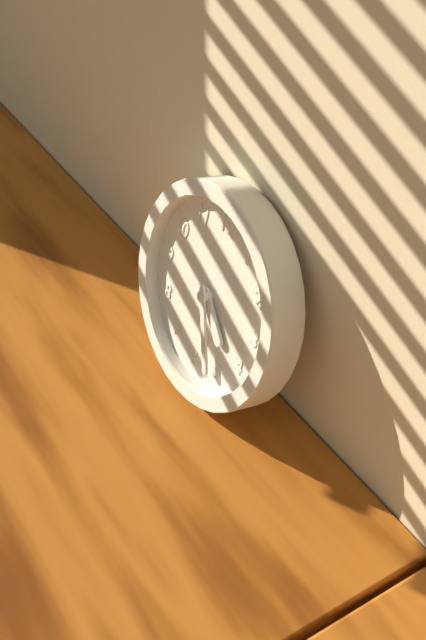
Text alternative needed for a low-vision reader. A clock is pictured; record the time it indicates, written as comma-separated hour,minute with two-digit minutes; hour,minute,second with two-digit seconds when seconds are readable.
4,26
